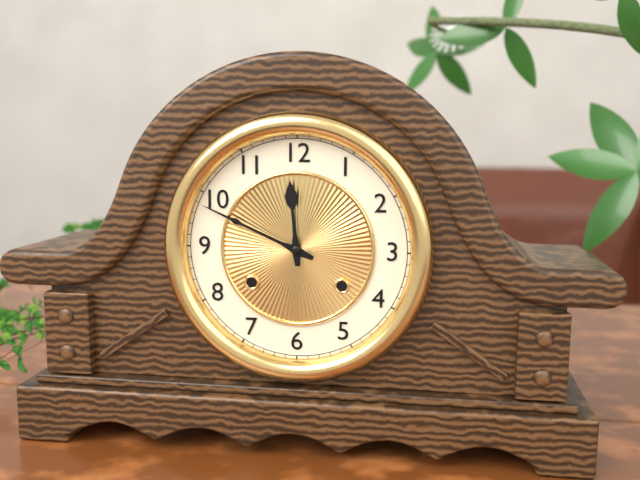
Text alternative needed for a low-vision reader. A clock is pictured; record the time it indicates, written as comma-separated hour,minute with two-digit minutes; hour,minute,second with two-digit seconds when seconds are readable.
11,49
